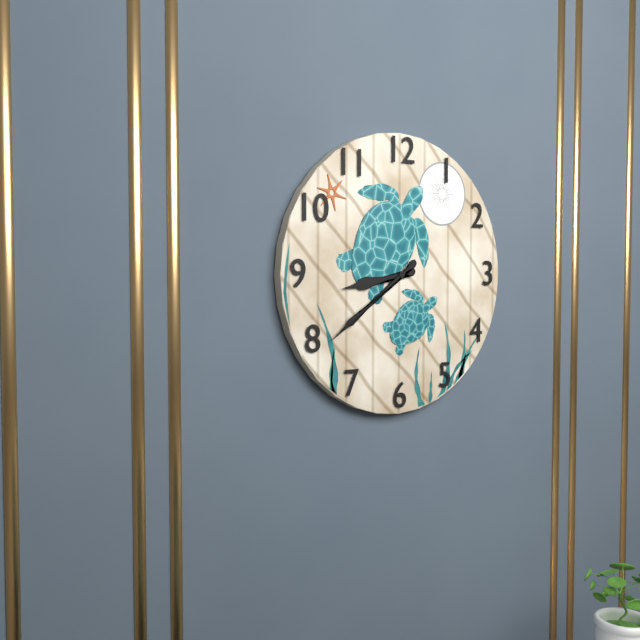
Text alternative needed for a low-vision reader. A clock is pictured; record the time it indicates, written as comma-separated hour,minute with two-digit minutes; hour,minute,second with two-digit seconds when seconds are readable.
8,39
